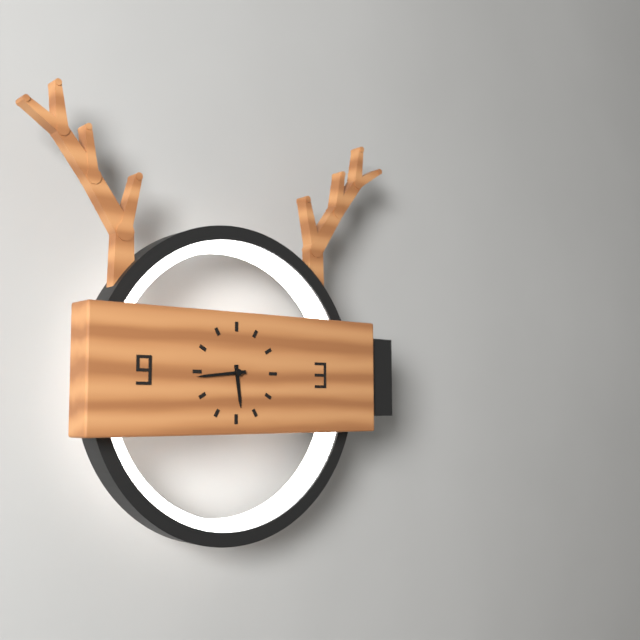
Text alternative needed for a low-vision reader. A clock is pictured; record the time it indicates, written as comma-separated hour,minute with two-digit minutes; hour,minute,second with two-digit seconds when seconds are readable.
5,44
